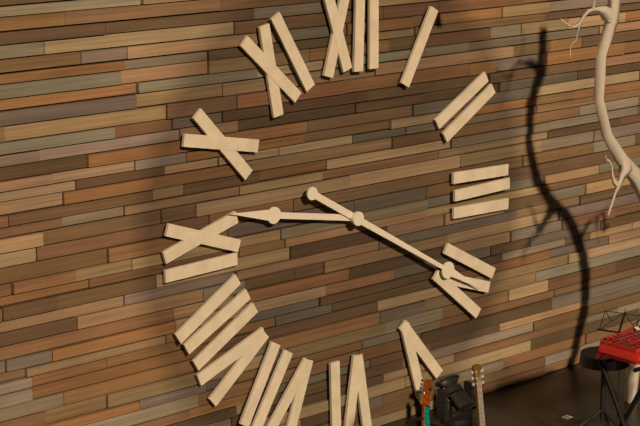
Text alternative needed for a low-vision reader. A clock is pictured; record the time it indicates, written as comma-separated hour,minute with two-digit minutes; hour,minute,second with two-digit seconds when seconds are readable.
9,20
